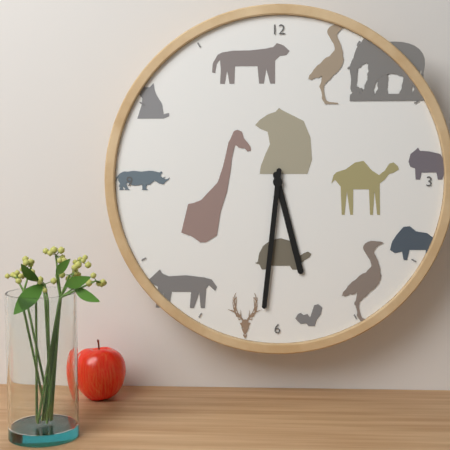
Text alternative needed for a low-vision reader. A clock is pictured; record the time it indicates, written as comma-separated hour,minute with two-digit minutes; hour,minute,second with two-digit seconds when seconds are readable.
5,31
